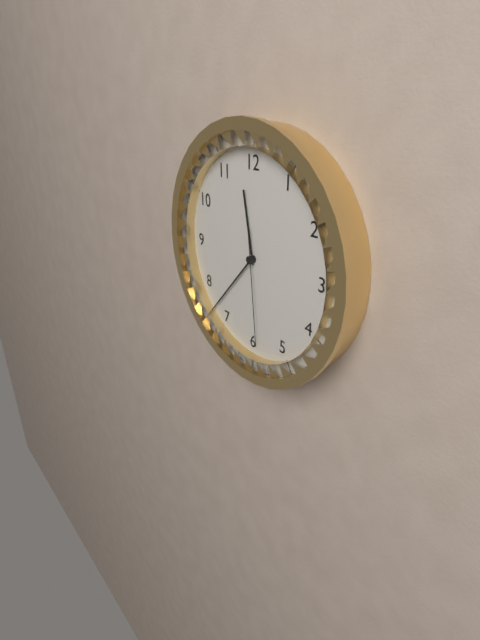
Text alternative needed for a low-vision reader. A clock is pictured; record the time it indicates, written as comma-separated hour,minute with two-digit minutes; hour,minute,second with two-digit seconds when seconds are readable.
11,37,29
